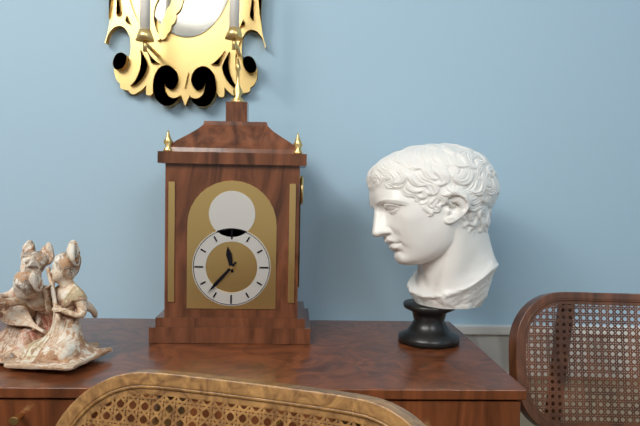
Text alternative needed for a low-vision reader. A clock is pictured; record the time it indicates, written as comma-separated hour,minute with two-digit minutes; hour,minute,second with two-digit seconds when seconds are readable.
11,37
